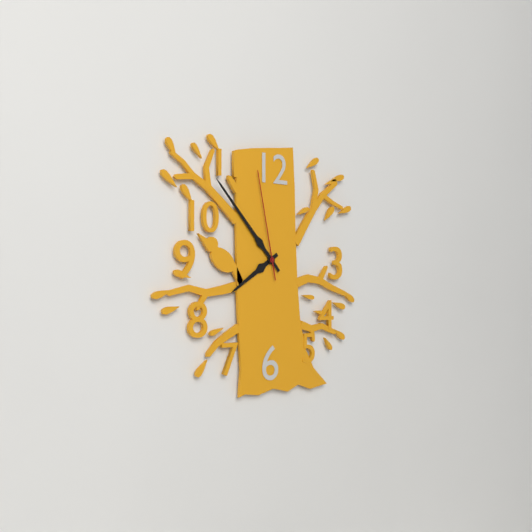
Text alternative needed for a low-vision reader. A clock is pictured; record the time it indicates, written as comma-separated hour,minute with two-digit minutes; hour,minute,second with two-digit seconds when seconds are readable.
7,53,58
